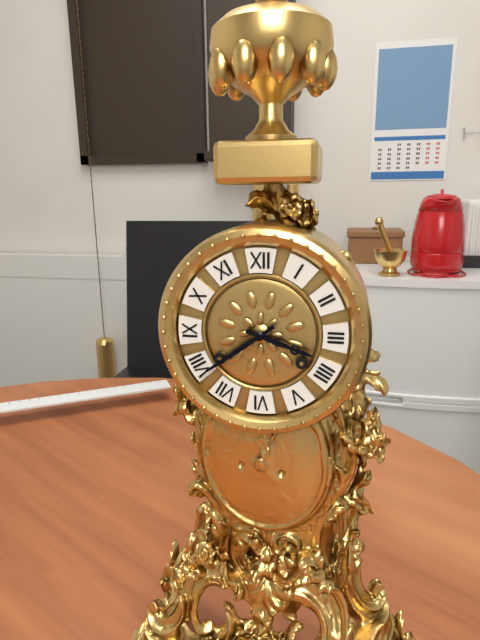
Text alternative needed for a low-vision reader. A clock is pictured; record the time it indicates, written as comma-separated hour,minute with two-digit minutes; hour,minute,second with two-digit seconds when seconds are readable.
3,39
